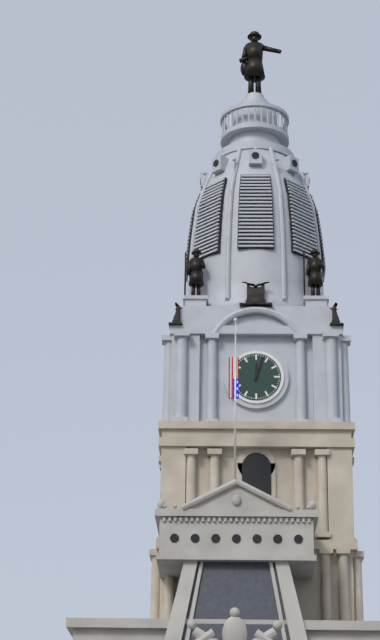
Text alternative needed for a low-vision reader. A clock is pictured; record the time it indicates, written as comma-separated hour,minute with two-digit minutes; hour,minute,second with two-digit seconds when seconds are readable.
12,03
